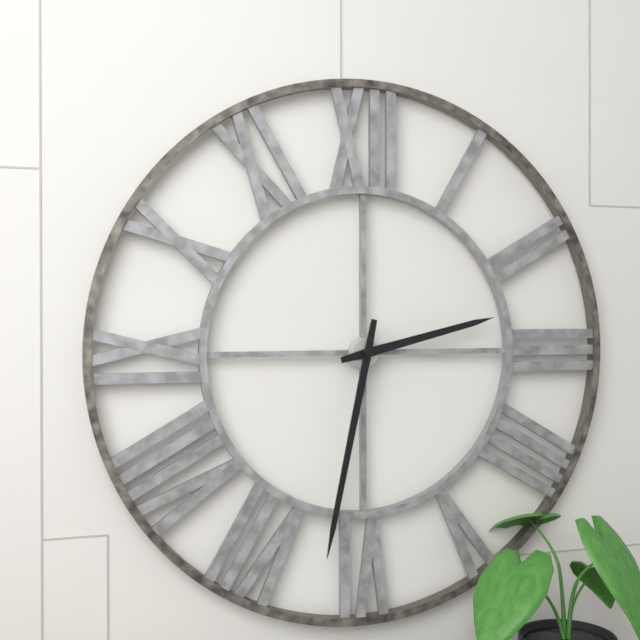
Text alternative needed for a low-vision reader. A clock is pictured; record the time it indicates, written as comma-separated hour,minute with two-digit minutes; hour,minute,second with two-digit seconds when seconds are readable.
2,32
